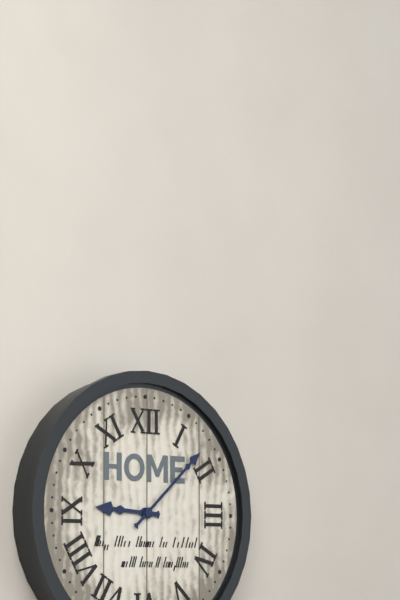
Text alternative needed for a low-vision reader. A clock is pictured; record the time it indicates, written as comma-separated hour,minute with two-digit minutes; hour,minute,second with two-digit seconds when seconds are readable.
9,08
